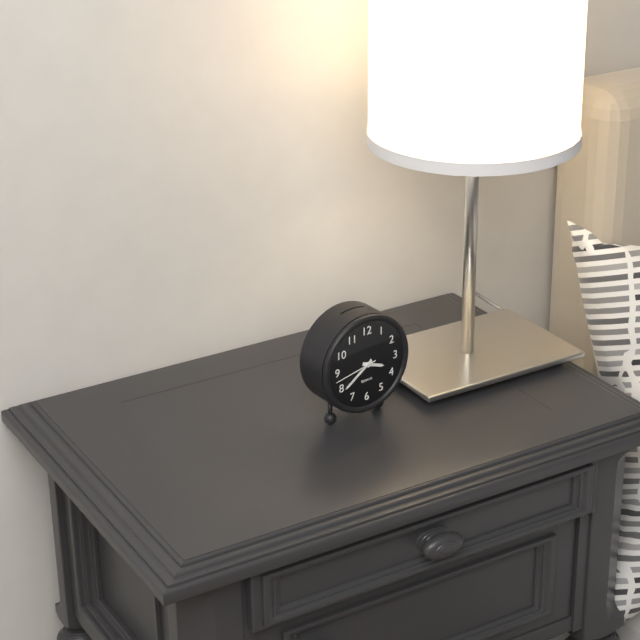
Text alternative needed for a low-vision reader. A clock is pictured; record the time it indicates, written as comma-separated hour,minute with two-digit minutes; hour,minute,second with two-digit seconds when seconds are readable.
3,39
